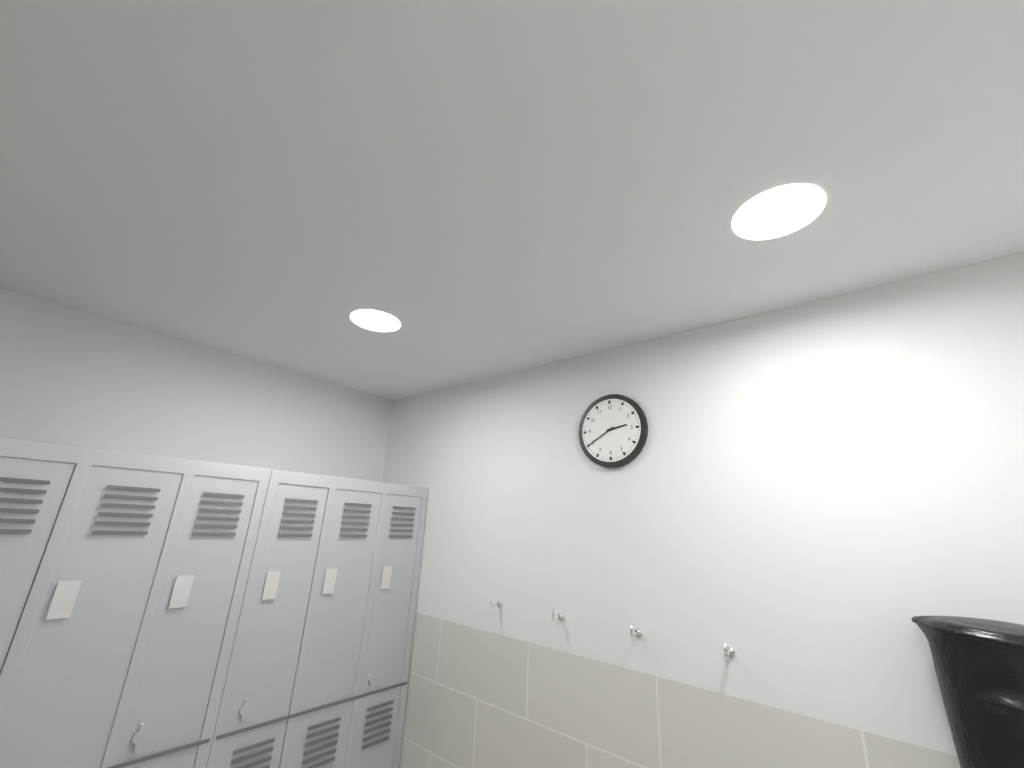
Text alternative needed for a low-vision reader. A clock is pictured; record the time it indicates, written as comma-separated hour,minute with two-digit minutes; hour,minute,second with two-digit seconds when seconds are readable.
2,40
